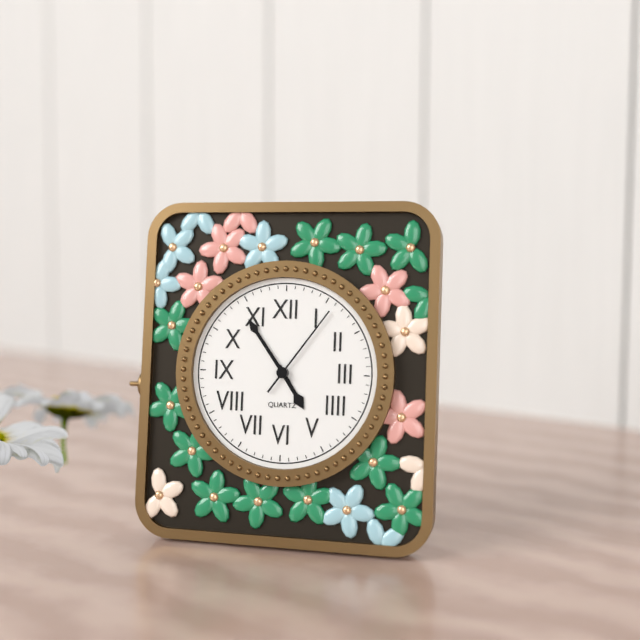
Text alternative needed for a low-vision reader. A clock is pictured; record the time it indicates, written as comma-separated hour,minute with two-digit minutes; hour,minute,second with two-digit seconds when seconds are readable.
4,54,06
